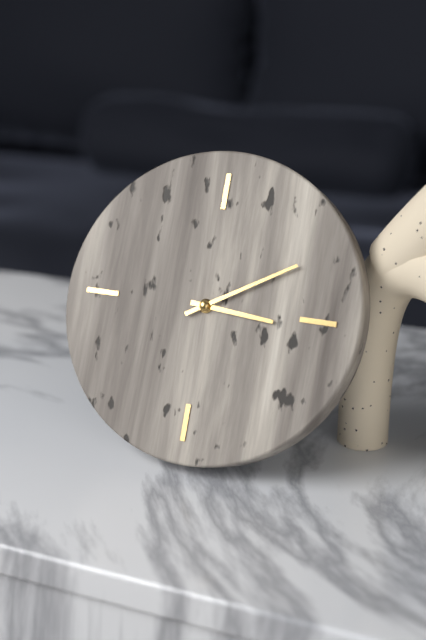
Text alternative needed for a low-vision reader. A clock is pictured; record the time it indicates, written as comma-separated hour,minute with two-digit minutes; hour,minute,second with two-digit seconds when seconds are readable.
3,10
